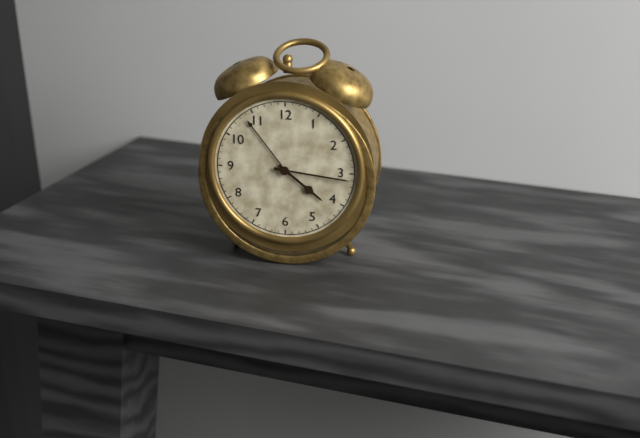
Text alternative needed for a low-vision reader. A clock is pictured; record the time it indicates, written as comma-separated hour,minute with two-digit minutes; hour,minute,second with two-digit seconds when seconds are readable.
4,16
